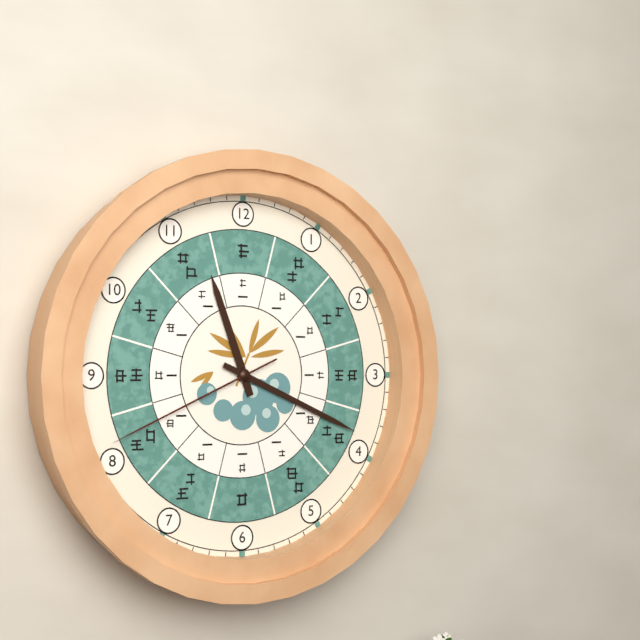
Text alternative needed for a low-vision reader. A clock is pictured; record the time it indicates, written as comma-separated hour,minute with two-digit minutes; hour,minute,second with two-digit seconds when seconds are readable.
11,19,41
